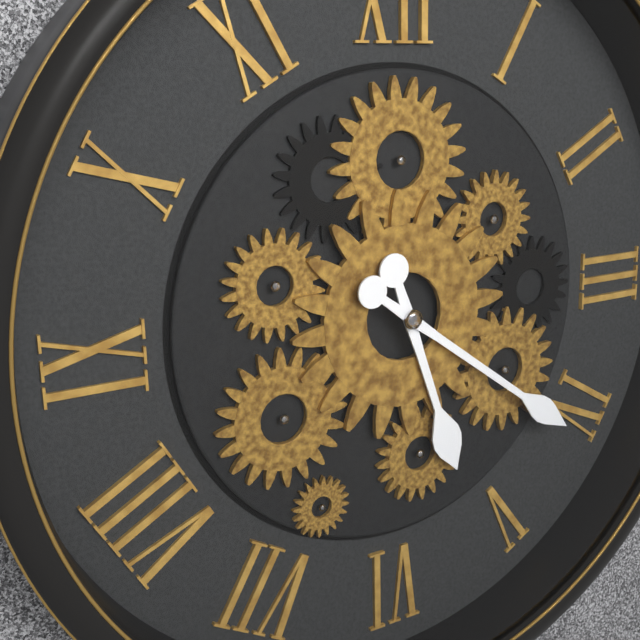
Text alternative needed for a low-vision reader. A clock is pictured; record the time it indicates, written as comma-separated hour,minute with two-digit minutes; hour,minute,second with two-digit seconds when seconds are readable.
5,21
